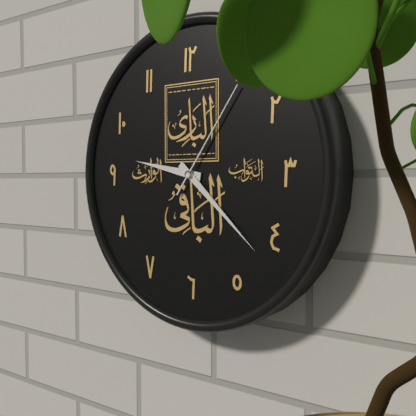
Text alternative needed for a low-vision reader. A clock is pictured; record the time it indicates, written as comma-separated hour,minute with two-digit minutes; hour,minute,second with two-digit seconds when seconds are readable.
9,22,06
